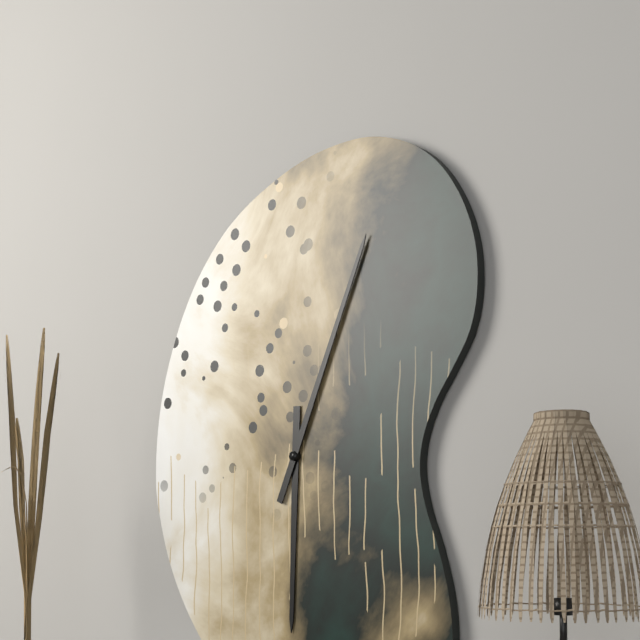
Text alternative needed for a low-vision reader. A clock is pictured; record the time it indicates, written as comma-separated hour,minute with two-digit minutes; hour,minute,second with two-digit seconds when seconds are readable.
6,04
